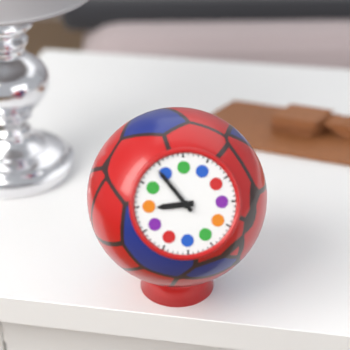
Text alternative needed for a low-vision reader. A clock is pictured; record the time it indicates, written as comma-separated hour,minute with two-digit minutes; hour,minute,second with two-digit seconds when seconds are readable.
8,54
